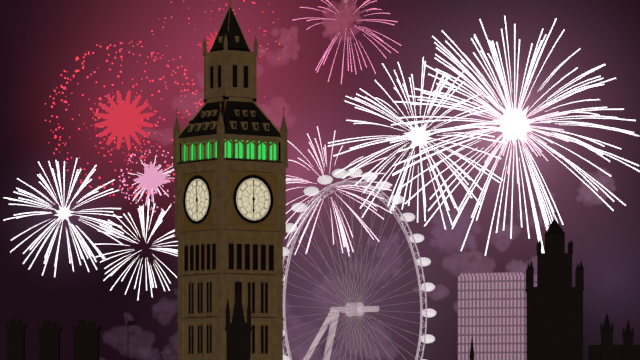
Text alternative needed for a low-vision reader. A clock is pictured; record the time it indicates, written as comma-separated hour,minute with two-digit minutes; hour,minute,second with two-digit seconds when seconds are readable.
6,00
